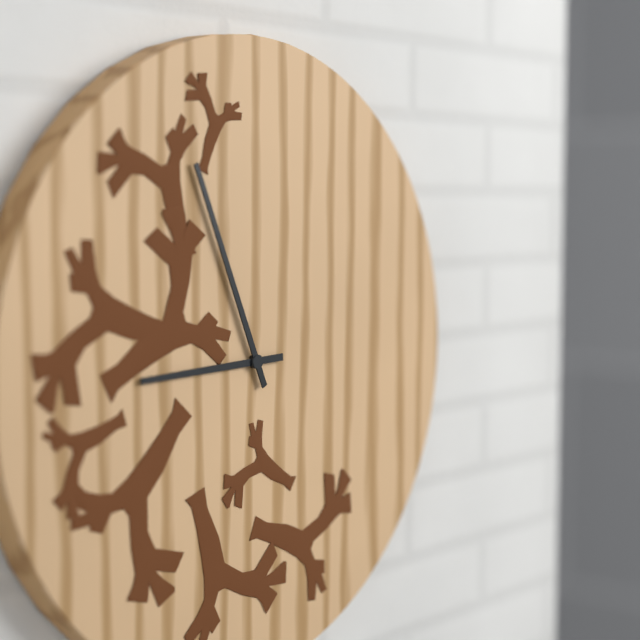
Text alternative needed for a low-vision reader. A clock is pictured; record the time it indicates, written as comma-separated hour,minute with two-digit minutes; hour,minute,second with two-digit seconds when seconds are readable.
8,56
